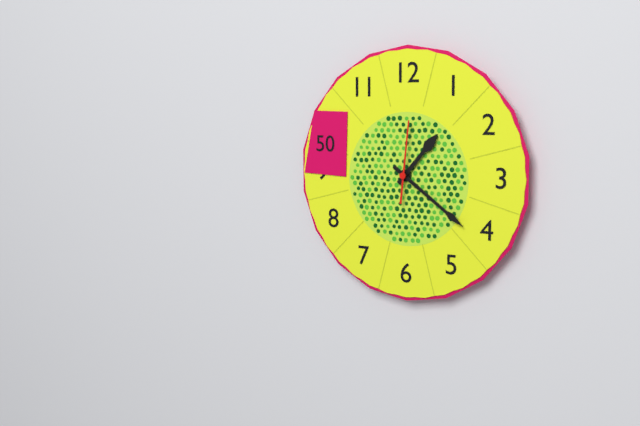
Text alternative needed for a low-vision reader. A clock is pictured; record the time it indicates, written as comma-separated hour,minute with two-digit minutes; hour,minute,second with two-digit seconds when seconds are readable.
1,21,01
